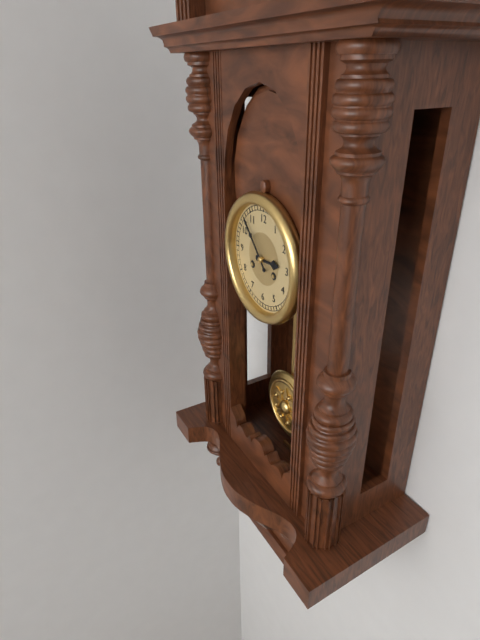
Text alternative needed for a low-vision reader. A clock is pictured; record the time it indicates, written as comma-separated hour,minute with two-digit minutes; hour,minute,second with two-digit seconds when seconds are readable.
2,53
